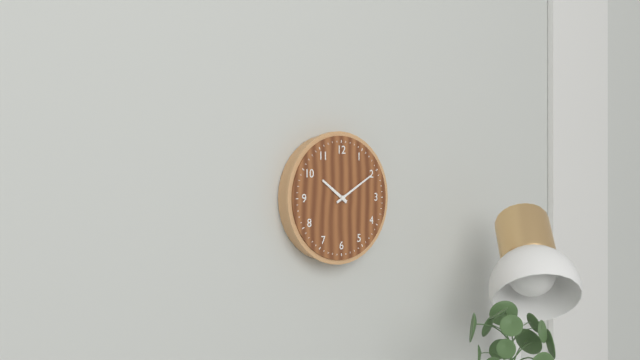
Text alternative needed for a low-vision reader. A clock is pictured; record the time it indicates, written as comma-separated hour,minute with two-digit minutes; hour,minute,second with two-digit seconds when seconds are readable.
10,10
